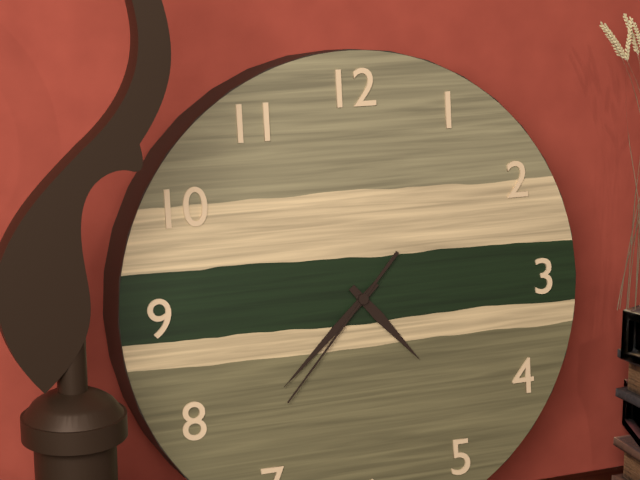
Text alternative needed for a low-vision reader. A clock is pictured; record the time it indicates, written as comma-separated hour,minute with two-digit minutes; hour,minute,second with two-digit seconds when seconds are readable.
4,38,37
